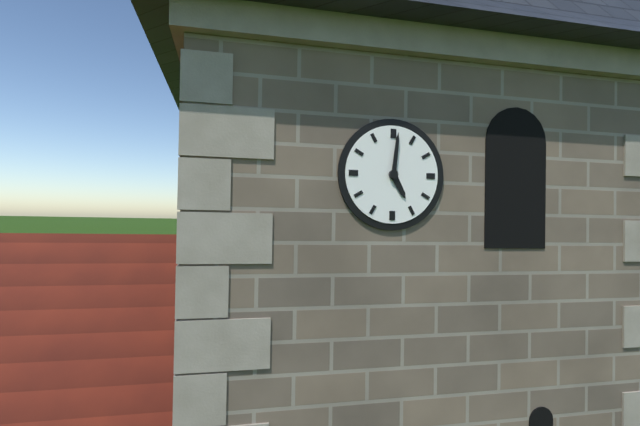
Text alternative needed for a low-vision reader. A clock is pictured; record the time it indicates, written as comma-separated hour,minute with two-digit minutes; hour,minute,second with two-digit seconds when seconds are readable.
5,01
